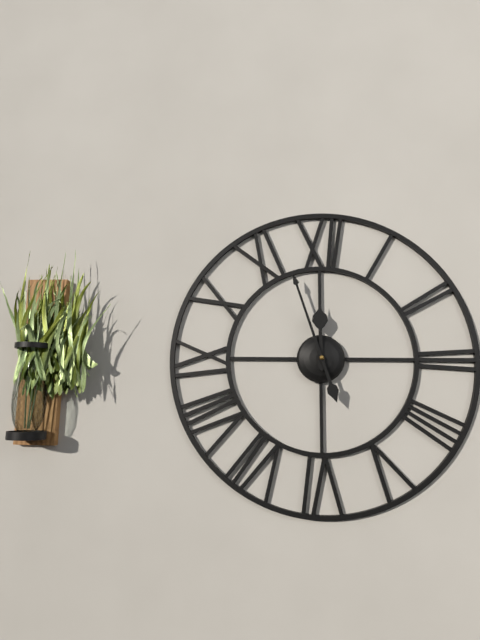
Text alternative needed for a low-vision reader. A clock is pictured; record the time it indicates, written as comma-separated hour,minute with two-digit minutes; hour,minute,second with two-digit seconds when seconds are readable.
11,57
